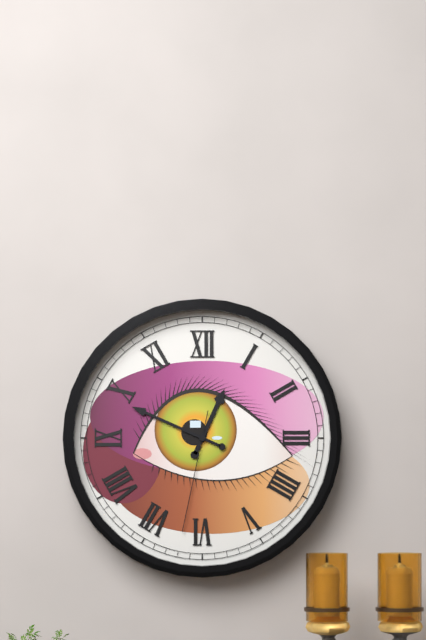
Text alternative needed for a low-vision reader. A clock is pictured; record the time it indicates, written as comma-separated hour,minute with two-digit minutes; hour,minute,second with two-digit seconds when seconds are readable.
12,49,32
